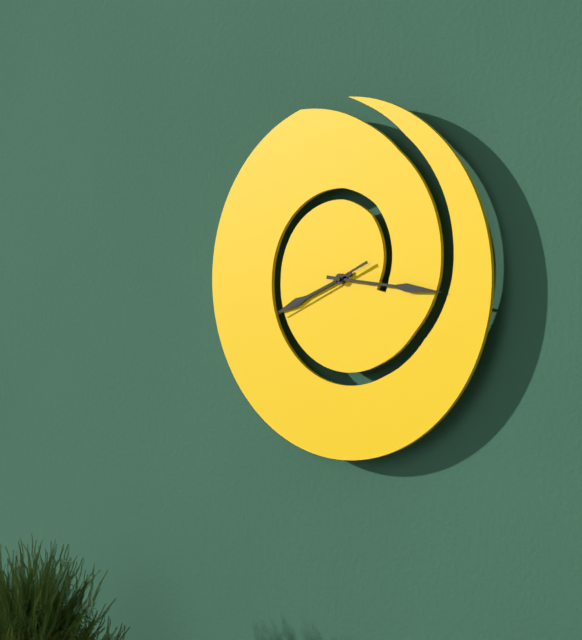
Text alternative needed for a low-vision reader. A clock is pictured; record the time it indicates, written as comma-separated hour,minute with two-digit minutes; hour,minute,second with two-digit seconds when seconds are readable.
8,16,41
